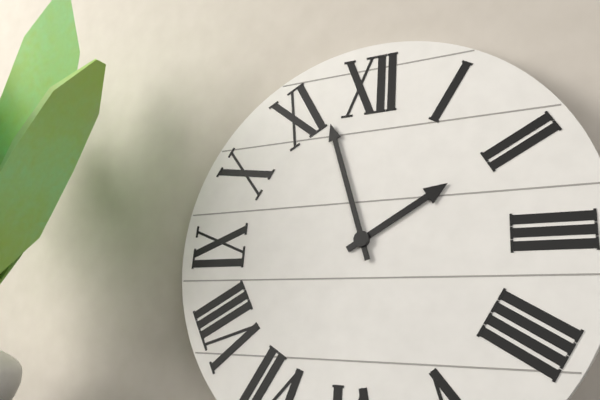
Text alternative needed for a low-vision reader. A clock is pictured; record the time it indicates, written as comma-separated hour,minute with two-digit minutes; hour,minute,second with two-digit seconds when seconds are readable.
1,57
